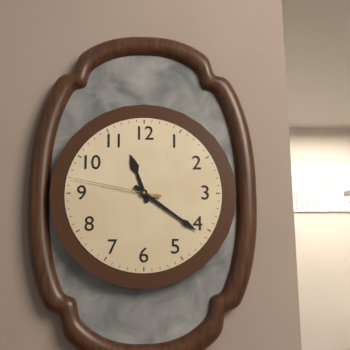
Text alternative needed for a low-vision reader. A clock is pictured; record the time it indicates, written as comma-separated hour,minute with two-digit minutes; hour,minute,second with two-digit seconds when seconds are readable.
11,21,47
